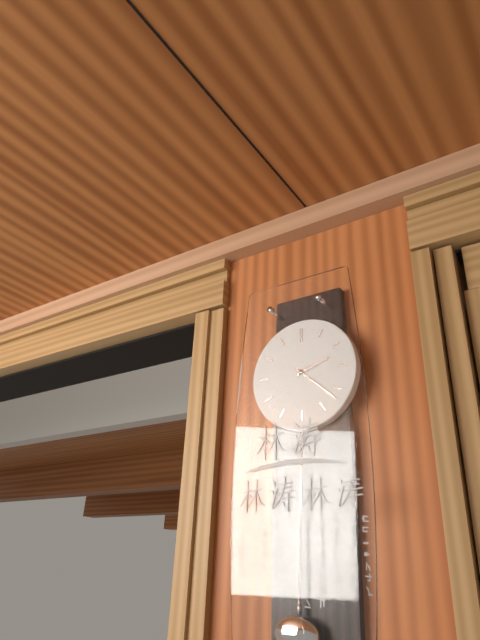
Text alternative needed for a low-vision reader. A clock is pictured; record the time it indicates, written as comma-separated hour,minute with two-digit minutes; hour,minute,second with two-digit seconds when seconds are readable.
2,22
